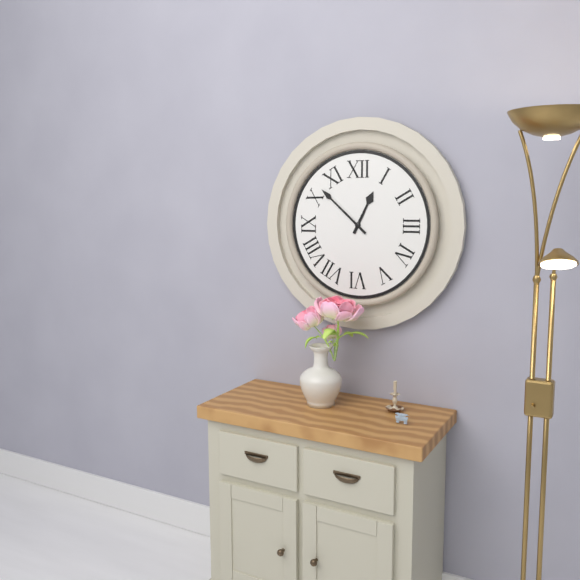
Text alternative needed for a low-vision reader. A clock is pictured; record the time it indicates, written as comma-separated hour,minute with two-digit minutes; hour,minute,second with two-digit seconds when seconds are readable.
12,52
